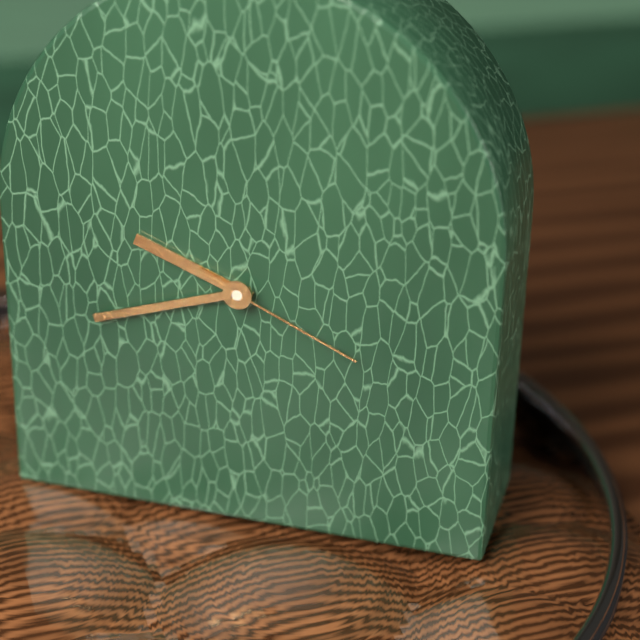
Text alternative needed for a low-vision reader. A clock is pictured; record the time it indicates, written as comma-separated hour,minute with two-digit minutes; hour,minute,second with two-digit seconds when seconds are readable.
9,42,19
